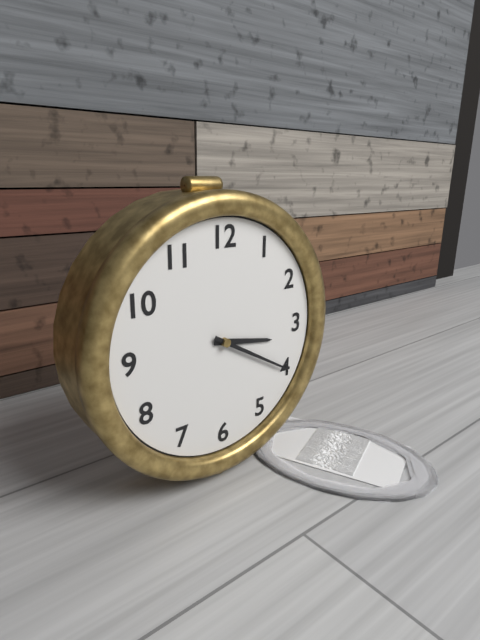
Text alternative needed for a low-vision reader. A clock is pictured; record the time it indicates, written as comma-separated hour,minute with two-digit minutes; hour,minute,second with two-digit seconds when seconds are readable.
3,20
